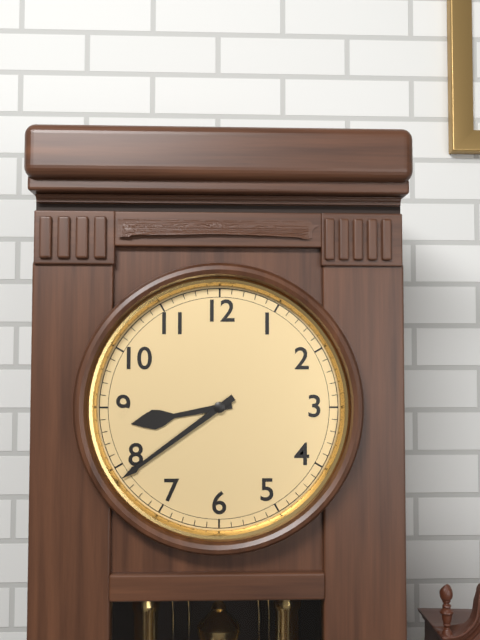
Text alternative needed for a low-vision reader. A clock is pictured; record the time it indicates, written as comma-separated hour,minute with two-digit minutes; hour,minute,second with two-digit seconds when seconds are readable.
8,39
